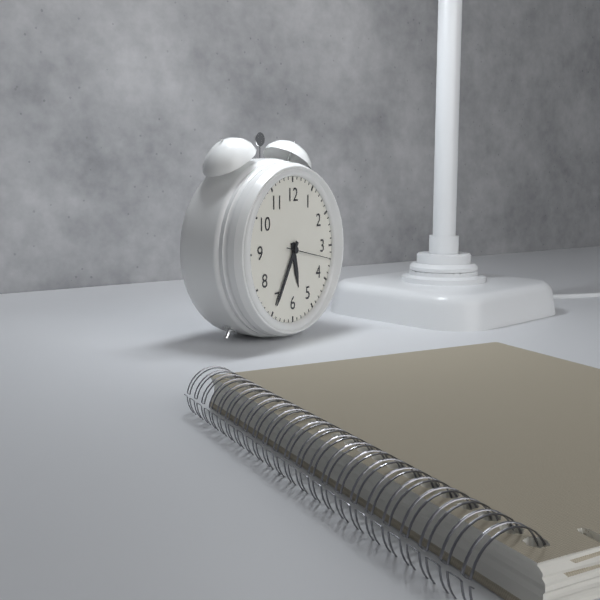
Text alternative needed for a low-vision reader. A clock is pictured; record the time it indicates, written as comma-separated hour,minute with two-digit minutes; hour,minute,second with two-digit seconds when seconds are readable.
5,35
